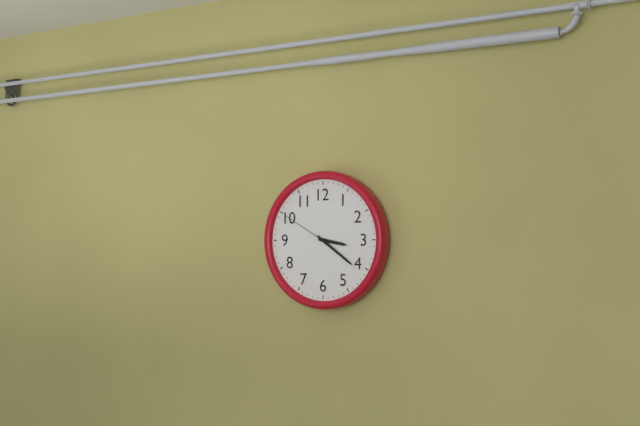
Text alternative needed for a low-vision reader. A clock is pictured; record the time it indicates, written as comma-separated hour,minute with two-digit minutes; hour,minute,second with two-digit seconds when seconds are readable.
3,21,50
